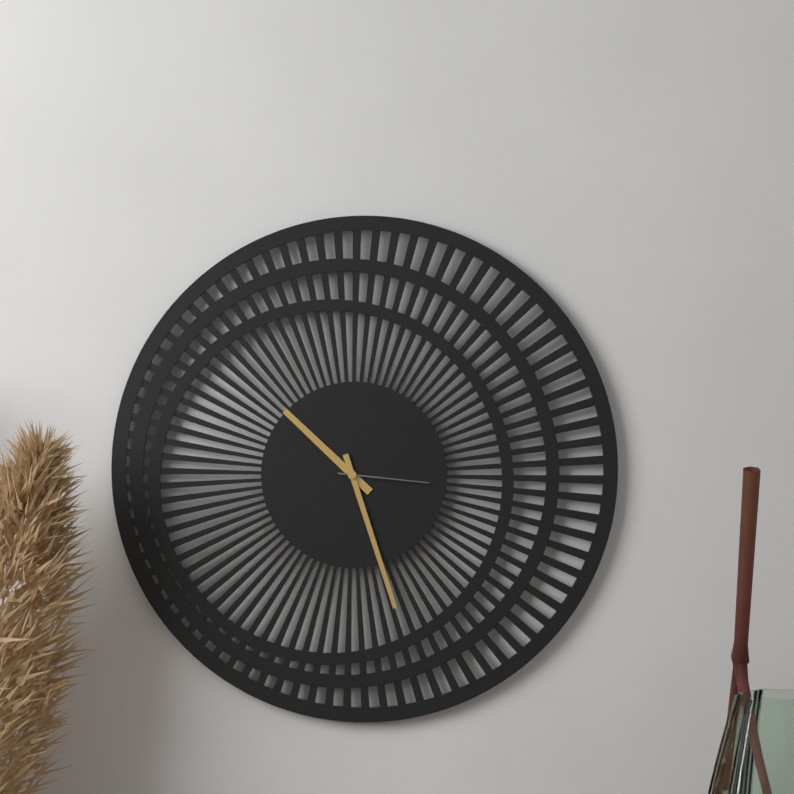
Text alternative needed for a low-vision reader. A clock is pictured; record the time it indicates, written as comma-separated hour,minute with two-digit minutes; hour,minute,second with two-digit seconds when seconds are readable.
10,27,16
